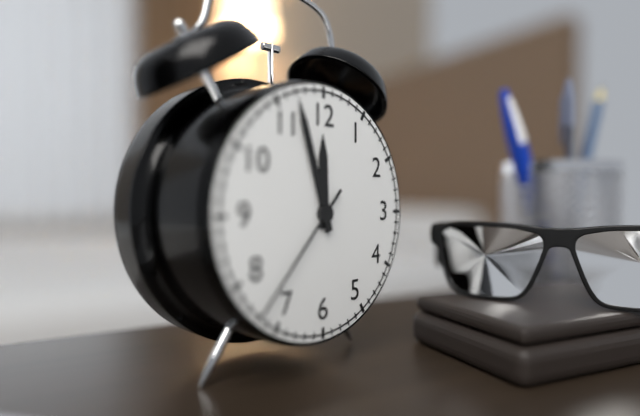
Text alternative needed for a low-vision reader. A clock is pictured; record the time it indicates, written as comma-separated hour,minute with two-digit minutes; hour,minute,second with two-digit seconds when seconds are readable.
11,57,37
